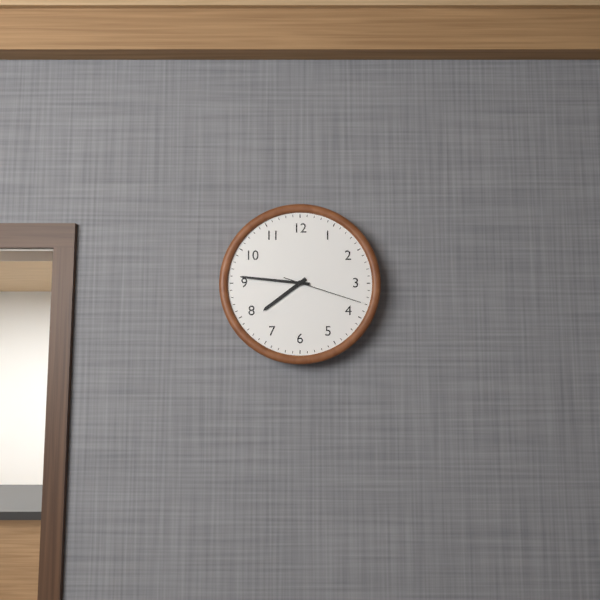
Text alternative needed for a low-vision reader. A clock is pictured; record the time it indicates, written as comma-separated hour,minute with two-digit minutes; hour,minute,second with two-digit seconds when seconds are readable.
7,46,18
